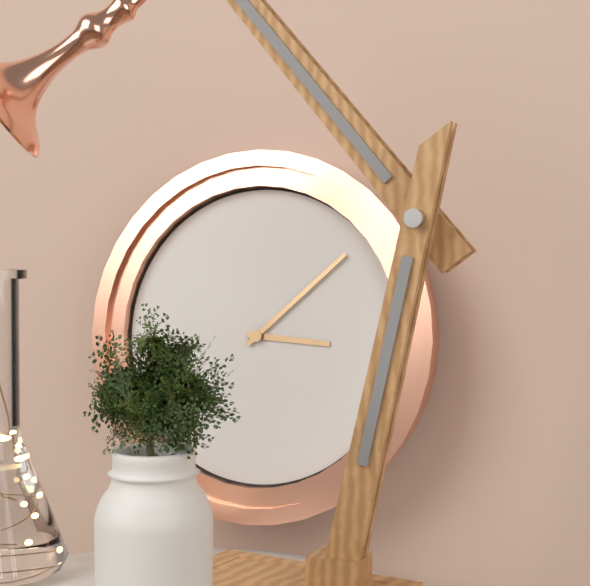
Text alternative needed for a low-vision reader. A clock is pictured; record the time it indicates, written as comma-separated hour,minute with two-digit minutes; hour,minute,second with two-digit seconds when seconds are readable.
3,08
